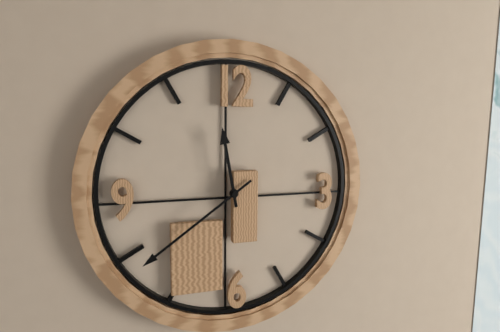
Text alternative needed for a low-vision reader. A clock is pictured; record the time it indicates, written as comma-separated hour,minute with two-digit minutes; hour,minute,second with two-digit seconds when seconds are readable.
11,39
